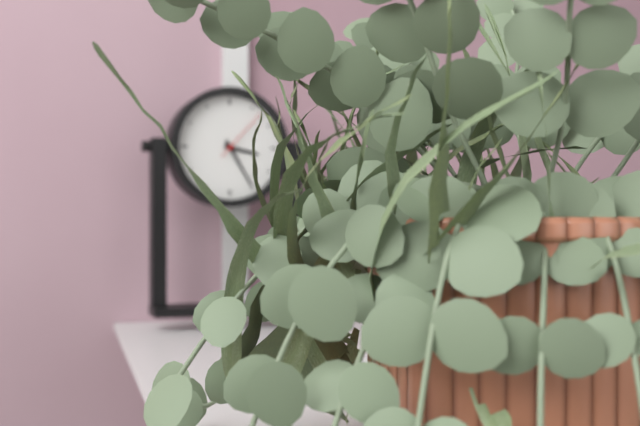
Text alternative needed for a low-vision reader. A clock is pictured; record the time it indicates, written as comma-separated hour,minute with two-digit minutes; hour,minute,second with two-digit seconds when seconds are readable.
3,25,07
